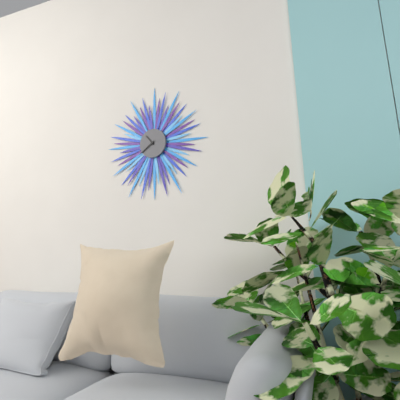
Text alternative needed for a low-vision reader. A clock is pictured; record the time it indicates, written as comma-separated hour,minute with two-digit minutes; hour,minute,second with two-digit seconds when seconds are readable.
10,39
